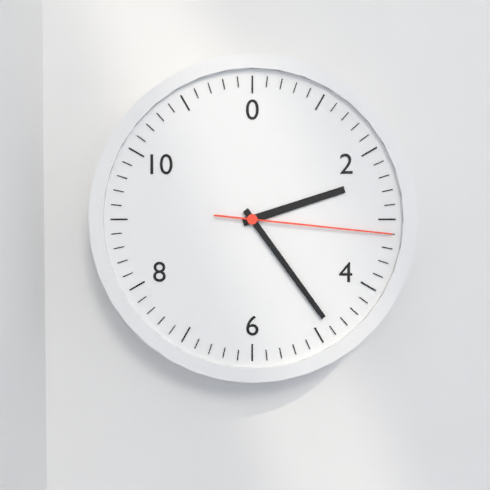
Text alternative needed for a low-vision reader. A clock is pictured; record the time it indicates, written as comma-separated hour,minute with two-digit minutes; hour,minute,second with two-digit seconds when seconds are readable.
2,24,16
